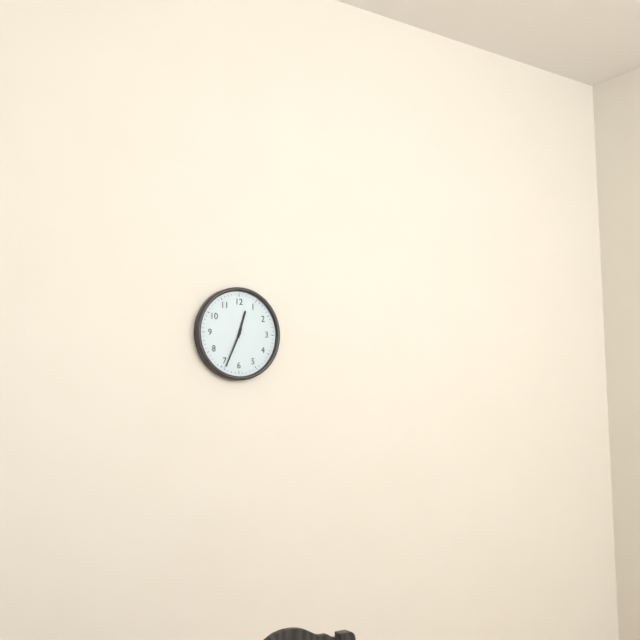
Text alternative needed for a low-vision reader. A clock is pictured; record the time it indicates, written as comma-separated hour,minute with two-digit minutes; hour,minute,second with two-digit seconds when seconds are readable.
12,34
